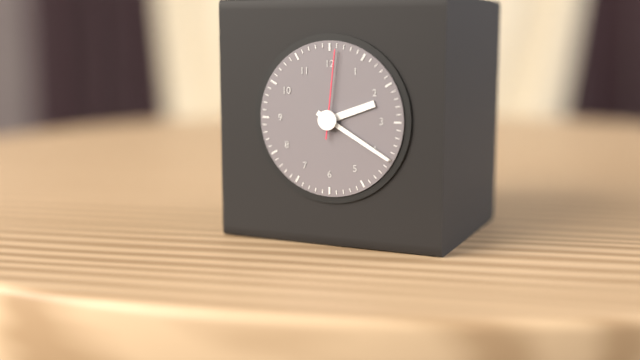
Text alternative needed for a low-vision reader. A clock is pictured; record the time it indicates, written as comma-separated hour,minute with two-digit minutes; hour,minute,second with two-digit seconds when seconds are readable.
2,20,01
